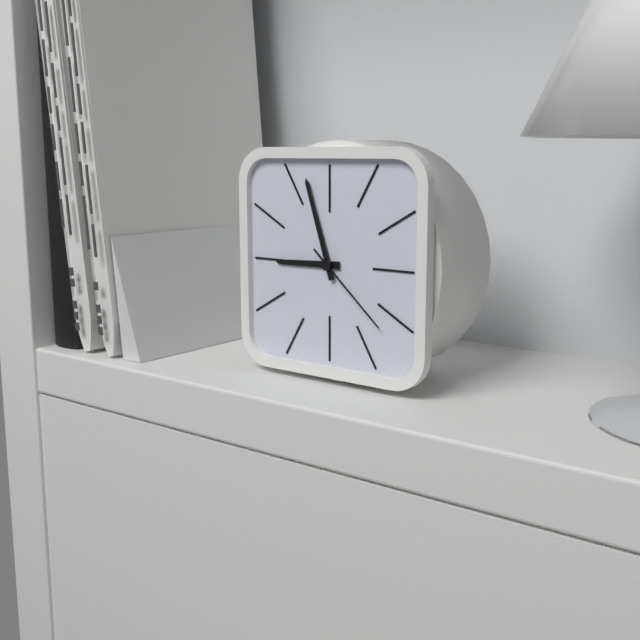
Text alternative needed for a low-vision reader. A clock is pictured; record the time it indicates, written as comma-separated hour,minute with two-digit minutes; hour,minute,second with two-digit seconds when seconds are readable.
8,57,22
